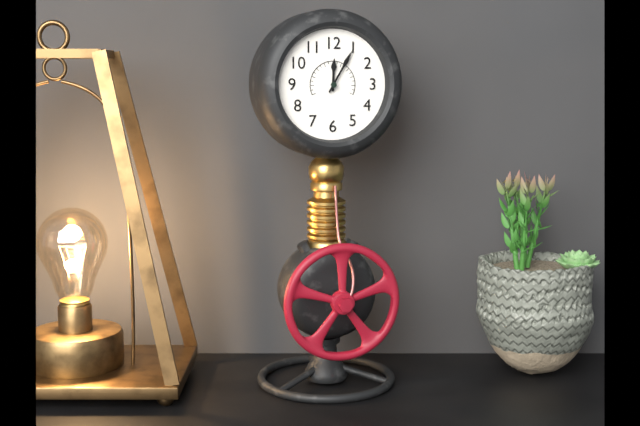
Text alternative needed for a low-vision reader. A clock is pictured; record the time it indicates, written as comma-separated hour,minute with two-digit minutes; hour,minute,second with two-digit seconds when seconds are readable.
12,05
